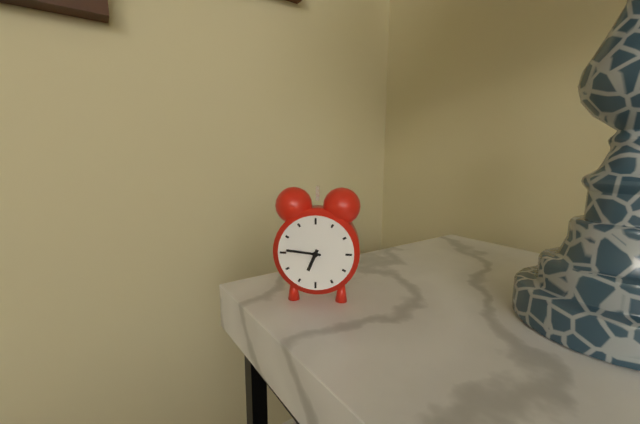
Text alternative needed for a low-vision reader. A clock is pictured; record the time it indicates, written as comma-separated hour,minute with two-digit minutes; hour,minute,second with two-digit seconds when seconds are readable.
6,46
